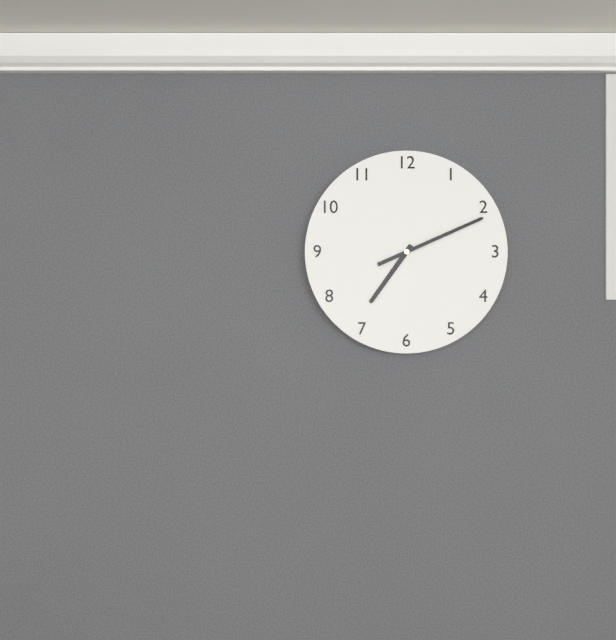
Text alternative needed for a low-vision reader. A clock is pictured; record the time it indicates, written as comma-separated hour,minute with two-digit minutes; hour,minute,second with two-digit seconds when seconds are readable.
7,11
